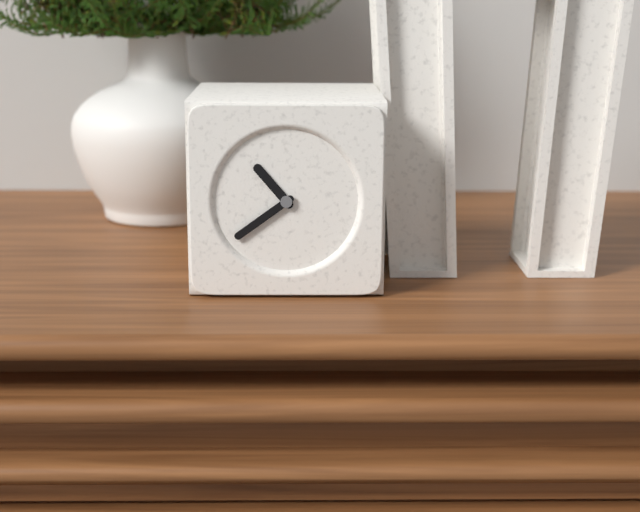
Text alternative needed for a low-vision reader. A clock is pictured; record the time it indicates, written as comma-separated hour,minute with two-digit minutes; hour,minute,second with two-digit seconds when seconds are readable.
10,39
